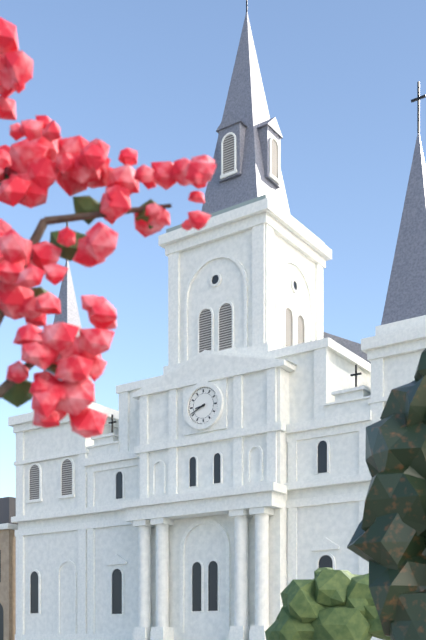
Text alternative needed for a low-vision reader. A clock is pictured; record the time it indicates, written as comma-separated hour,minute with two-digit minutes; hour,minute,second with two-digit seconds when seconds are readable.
8,41
